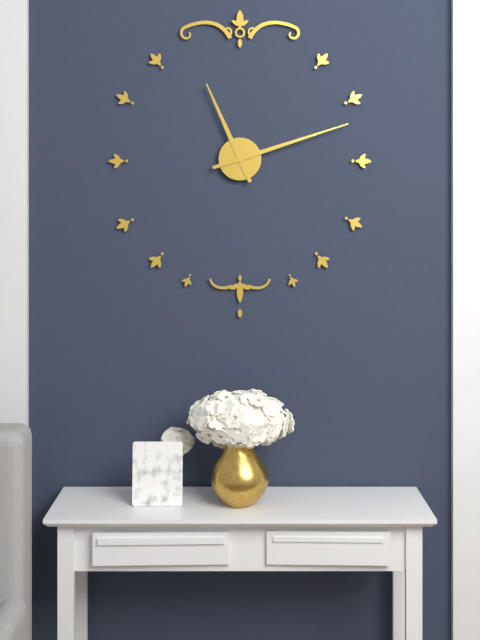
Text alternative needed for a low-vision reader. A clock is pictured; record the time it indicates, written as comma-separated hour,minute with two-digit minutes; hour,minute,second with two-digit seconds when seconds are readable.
11,12
